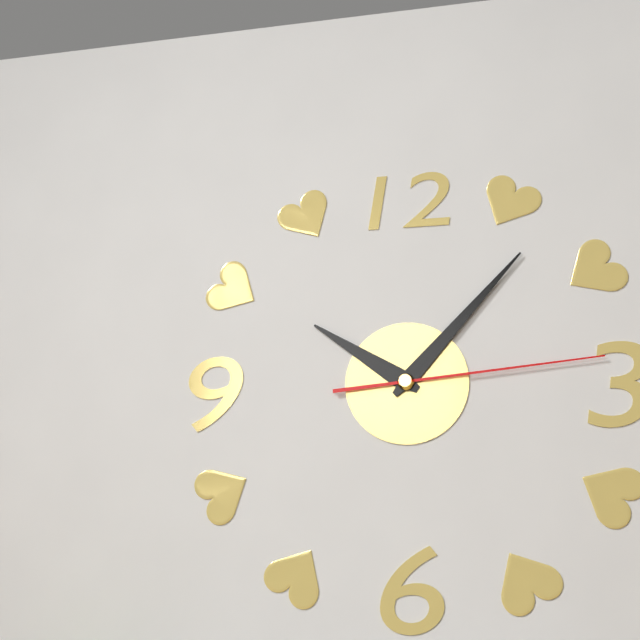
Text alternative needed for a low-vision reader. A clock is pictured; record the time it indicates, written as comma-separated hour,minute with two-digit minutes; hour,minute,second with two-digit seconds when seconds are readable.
10,07,14
